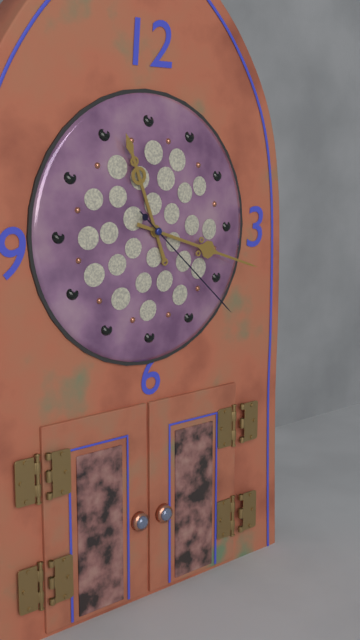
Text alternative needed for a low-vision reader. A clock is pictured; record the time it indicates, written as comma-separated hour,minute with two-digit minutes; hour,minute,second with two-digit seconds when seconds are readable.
11,18,22
